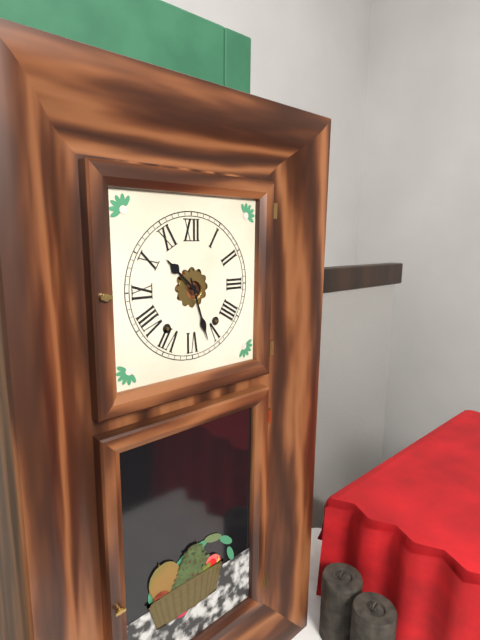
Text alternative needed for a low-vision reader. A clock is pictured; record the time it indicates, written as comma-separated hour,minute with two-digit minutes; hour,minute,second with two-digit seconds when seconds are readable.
10,27
